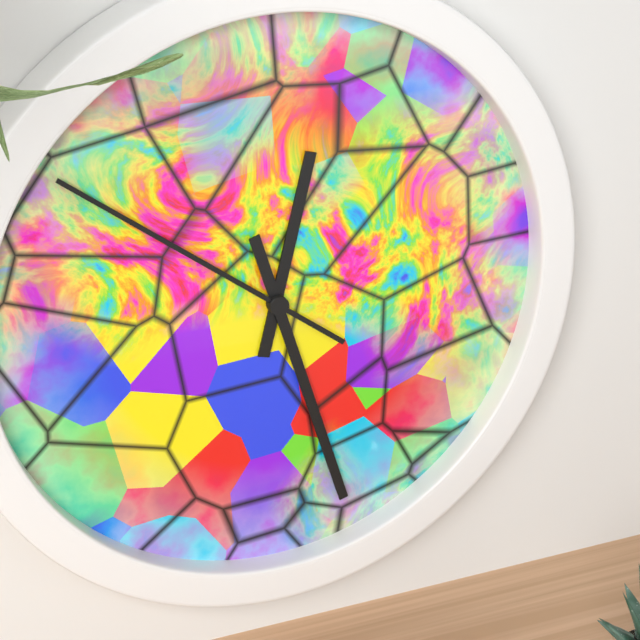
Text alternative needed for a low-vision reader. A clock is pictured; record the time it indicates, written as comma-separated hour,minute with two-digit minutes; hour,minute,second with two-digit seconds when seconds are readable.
12,27,51
